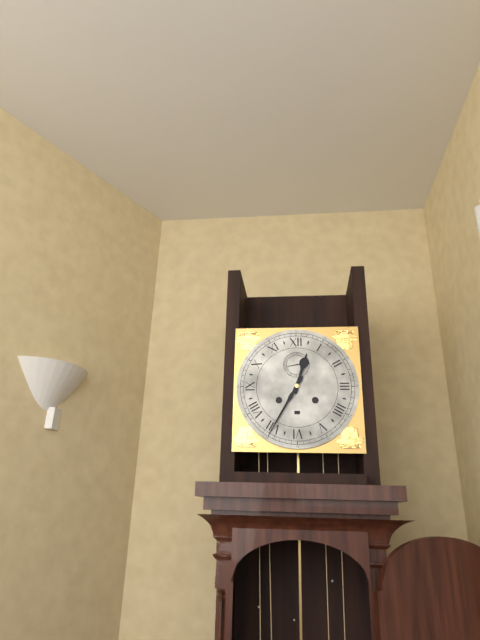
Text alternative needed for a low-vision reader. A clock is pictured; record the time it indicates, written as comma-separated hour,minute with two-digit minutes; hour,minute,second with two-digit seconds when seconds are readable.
12,35
